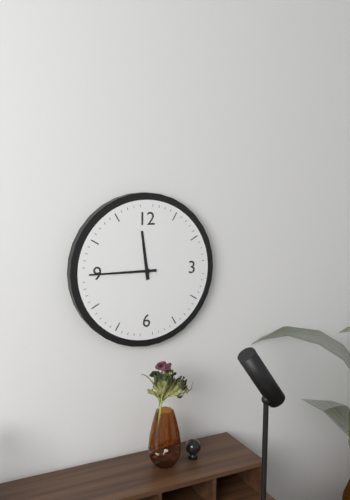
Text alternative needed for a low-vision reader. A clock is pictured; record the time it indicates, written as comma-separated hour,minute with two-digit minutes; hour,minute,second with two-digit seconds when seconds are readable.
11,45
